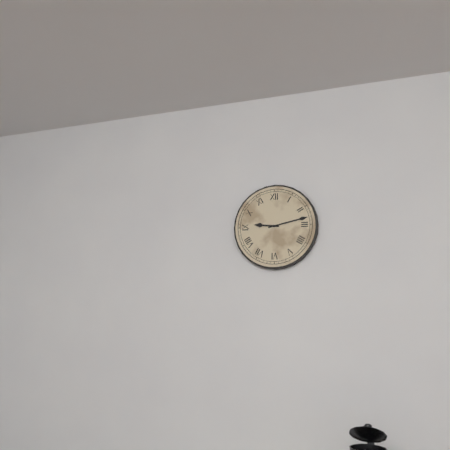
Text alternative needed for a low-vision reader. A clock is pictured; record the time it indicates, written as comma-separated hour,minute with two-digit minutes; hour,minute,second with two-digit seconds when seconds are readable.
9,13
